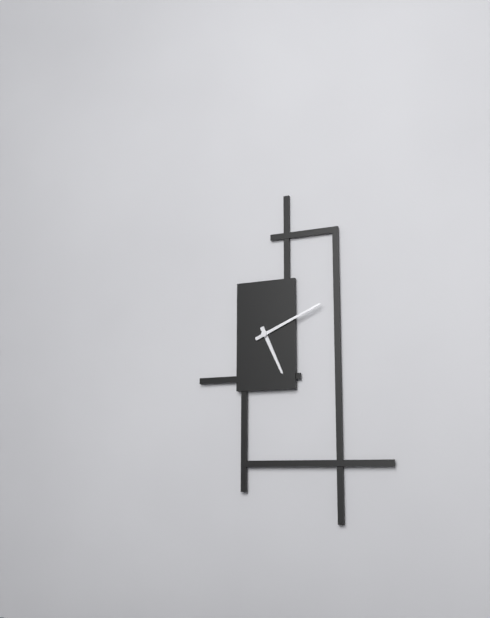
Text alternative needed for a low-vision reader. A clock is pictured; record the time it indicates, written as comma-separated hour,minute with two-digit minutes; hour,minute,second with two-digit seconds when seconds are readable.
5,11
